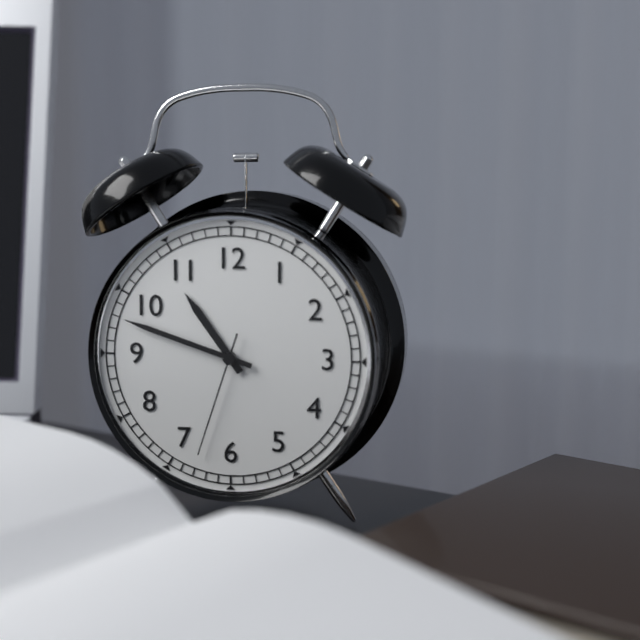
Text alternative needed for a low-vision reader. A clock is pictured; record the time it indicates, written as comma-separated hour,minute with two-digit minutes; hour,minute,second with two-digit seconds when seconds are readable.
10,48,33
